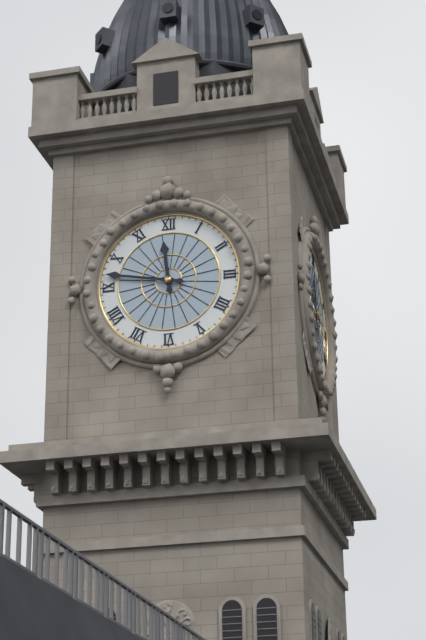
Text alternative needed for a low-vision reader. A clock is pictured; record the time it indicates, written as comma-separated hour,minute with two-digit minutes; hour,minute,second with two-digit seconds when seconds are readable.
11,47
